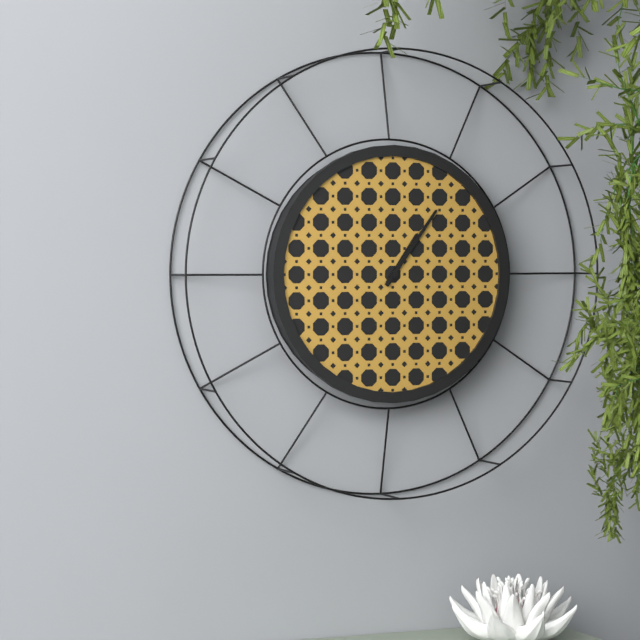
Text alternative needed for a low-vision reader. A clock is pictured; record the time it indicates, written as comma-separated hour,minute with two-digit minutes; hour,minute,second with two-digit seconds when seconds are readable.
1,06
